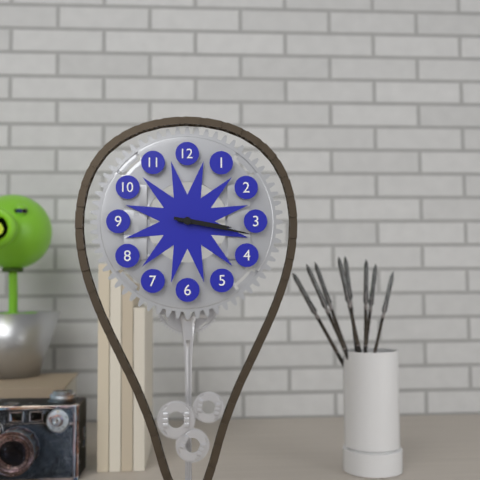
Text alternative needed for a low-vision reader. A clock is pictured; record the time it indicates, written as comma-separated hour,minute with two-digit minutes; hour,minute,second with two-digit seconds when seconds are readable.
3,17
